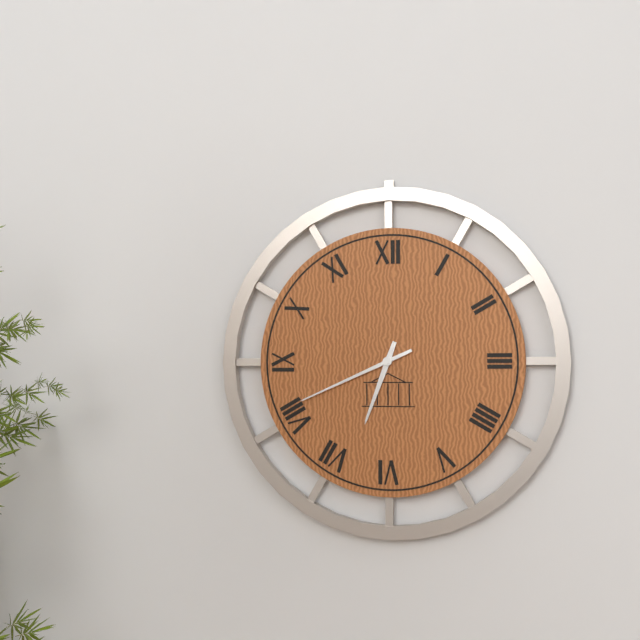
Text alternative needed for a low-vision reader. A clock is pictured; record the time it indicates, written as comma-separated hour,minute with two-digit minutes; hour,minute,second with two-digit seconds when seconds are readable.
6,41
